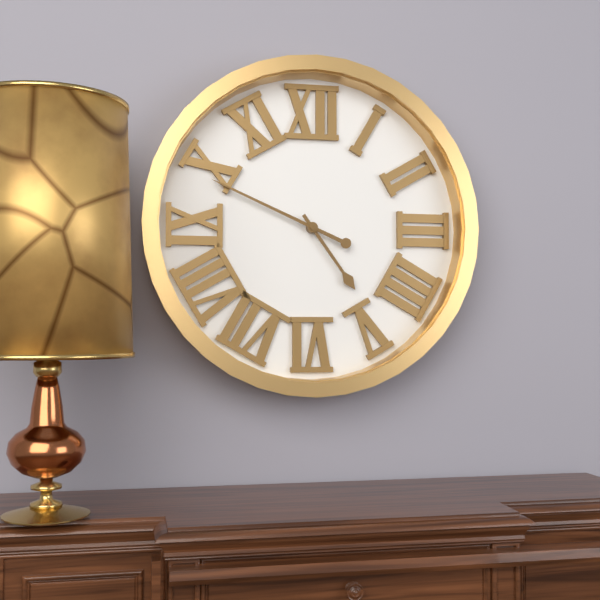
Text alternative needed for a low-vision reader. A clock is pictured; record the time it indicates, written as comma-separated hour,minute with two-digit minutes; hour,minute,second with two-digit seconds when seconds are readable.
4,49
